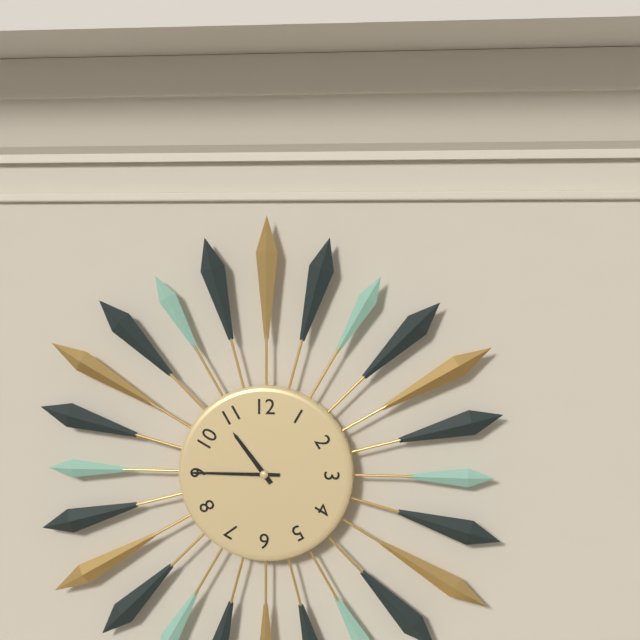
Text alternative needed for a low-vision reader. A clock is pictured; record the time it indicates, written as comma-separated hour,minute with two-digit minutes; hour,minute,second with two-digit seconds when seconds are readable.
10,45
